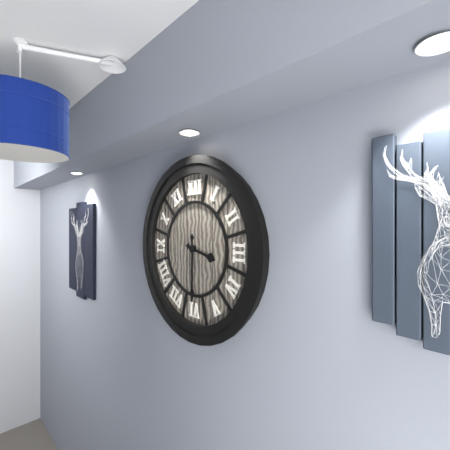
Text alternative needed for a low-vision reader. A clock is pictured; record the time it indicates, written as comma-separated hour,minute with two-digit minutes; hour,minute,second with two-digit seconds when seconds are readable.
3,30
